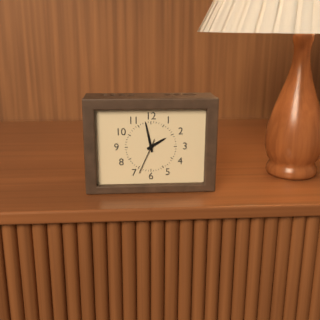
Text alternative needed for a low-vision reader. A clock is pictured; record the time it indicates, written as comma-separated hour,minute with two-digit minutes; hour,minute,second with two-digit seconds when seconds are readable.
1,58
